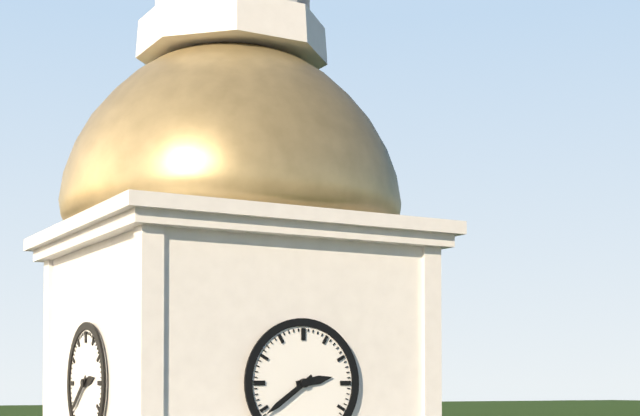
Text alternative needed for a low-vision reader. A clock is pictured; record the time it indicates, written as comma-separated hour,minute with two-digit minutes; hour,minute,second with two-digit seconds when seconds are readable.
2,39
